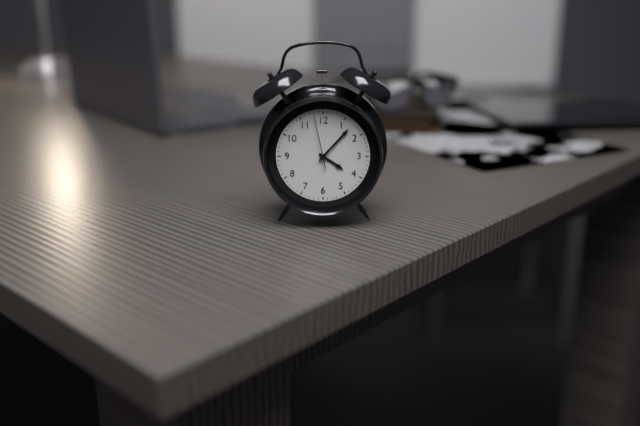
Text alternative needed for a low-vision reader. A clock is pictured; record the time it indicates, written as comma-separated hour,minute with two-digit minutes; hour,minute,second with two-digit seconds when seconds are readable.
4,07,58
